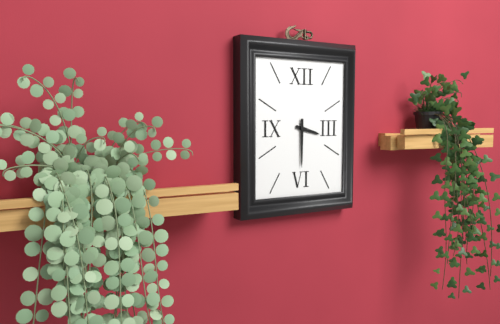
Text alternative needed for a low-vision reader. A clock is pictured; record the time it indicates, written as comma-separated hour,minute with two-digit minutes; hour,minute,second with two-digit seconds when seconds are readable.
3,30
